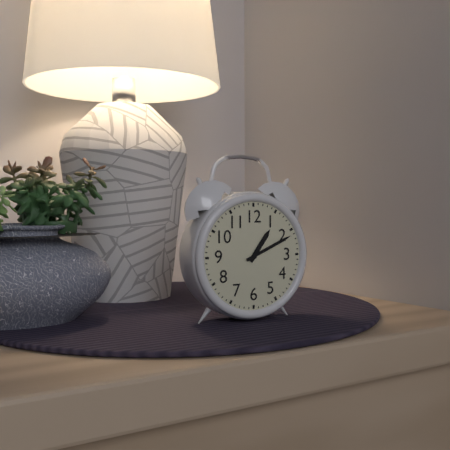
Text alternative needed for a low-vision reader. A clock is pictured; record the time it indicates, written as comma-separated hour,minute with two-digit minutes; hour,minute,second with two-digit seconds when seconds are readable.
1,11
